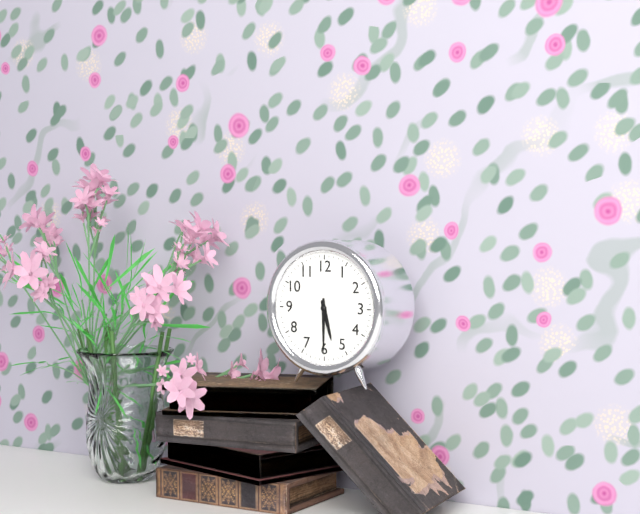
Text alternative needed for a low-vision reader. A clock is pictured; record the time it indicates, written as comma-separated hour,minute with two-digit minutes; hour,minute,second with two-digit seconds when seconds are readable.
5,30
